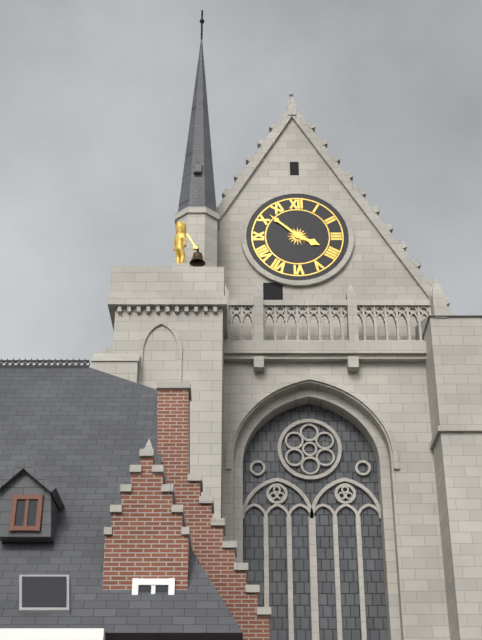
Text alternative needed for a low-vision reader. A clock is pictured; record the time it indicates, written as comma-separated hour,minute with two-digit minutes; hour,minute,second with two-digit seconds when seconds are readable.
3,52
